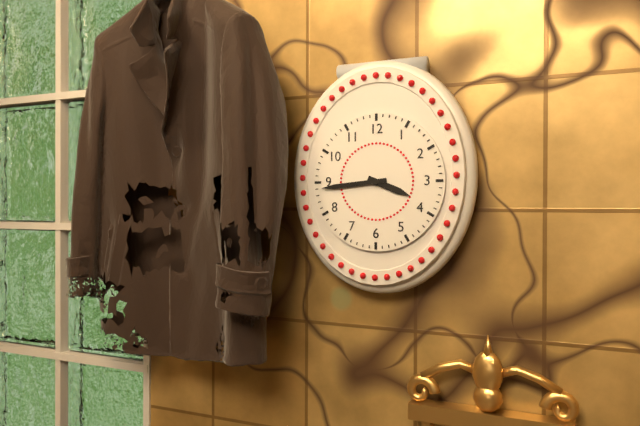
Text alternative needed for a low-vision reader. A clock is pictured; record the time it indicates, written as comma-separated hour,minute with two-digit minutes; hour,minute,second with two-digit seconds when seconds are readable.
3,44
